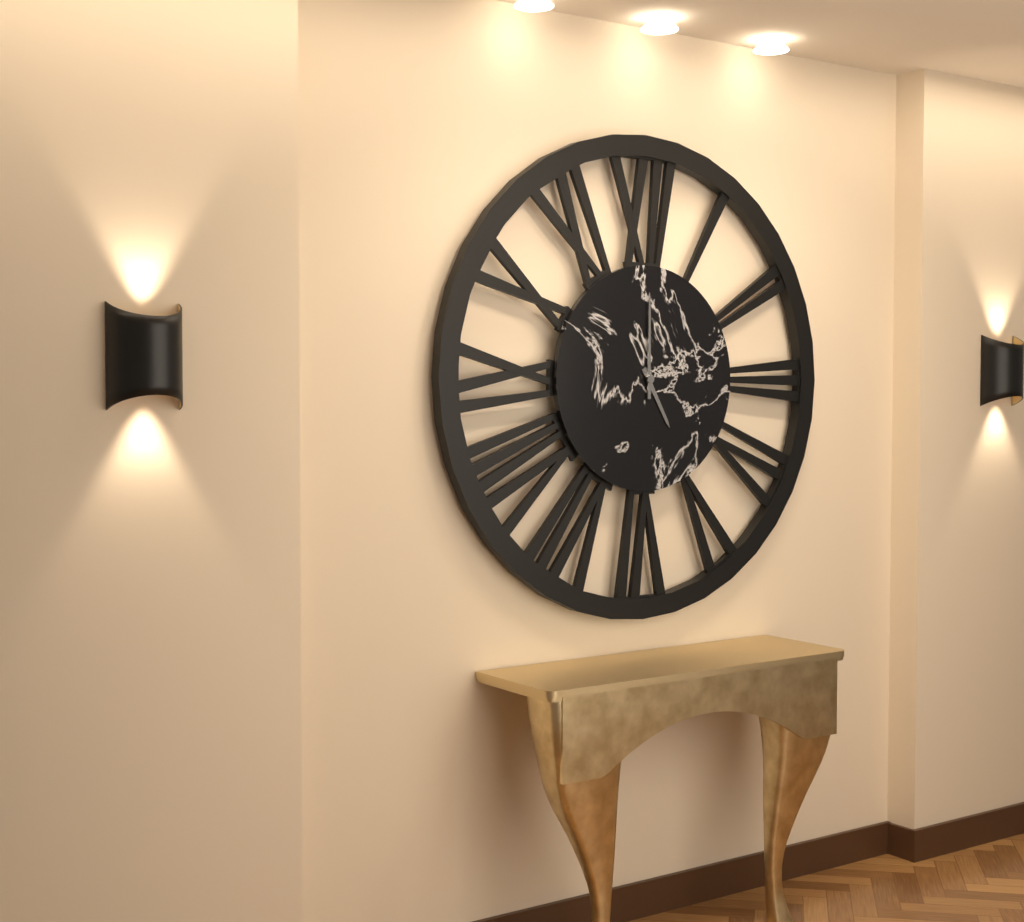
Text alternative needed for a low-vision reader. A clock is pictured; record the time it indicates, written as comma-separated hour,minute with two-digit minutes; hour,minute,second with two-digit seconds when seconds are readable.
5,00
